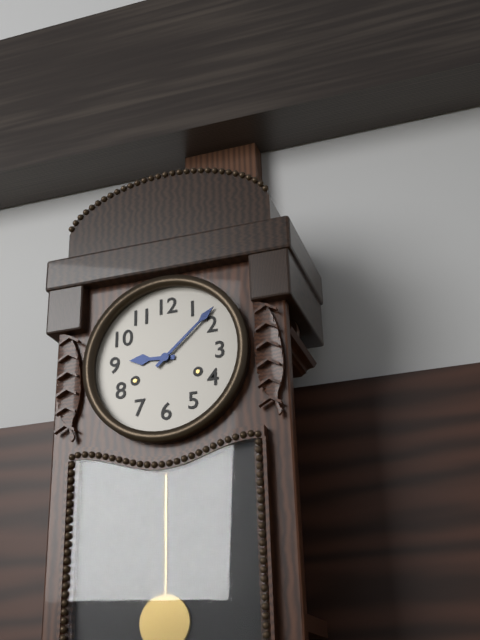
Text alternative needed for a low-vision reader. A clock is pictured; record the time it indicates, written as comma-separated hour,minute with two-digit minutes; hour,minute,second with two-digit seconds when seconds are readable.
9,08
